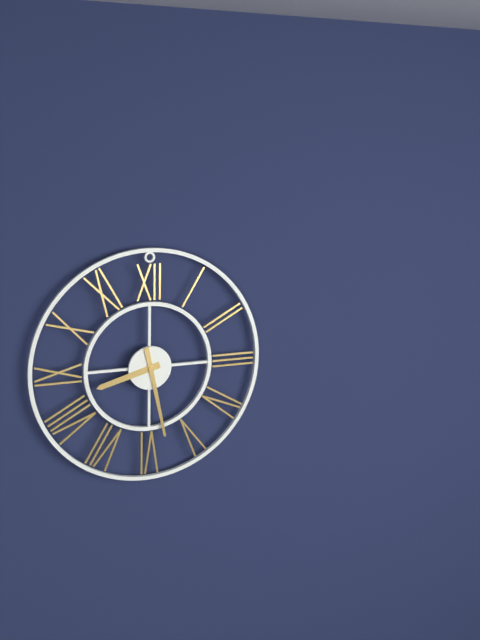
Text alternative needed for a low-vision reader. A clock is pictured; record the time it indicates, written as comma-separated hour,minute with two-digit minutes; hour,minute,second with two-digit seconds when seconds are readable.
8,28
